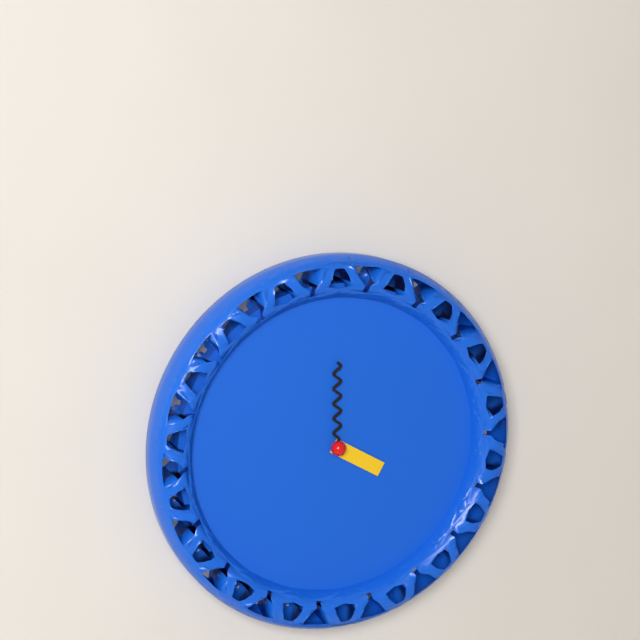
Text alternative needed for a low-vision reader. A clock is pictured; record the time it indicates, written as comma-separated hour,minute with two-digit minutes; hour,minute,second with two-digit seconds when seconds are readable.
4,00
